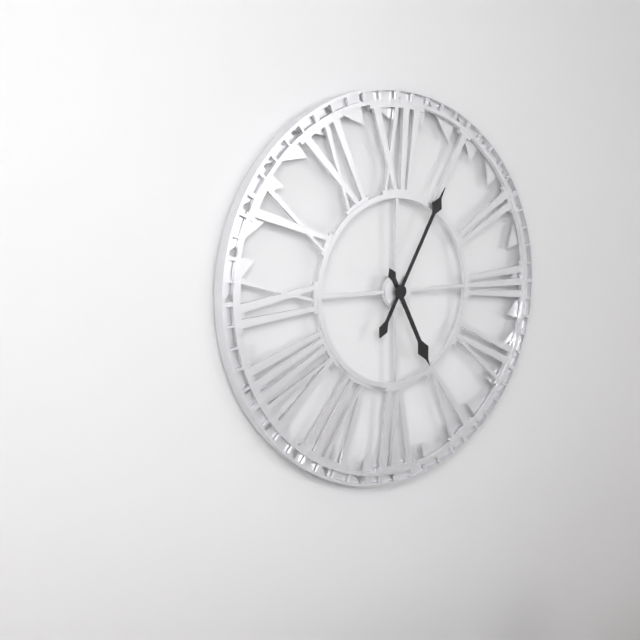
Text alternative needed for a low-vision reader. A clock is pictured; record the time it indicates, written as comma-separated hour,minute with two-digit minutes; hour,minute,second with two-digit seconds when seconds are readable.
5,05
